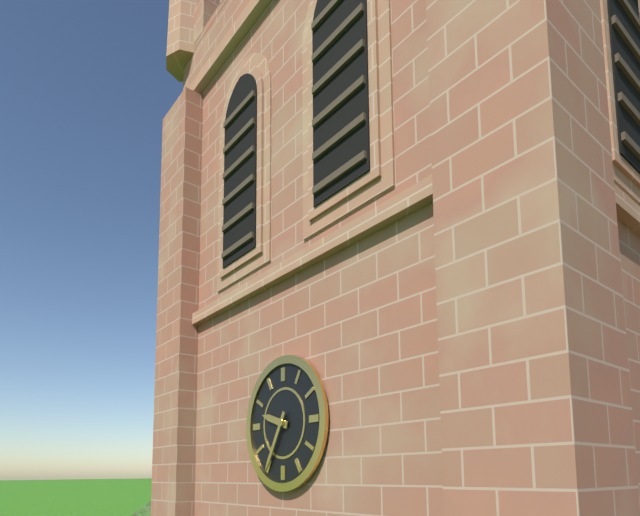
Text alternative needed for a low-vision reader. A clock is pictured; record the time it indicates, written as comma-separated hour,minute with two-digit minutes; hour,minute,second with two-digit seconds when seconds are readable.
9,35
